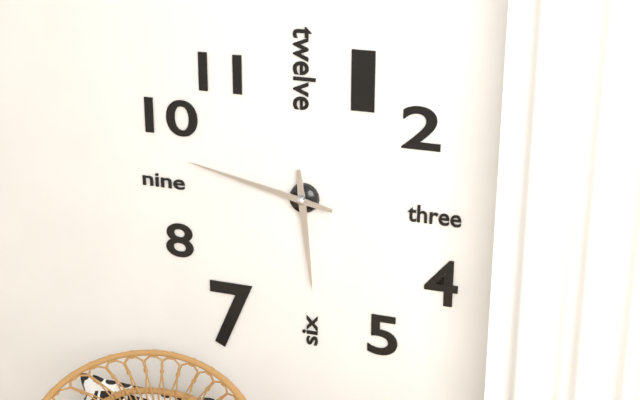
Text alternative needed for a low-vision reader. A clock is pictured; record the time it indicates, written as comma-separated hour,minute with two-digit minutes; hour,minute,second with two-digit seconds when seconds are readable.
5,47
